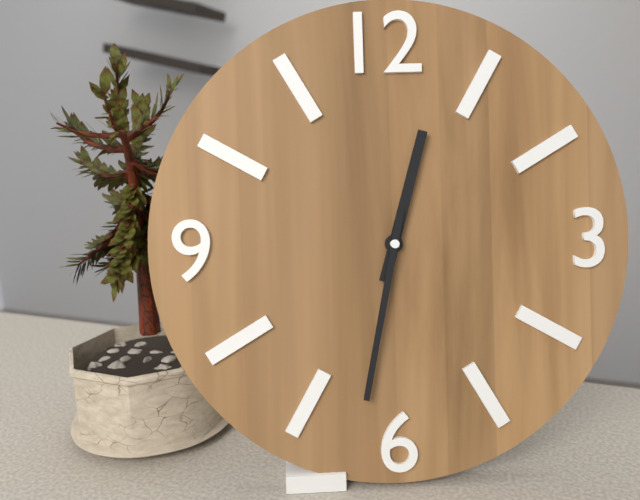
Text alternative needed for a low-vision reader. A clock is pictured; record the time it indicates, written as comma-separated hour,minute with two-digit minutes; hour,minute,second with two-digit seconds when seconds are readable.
12,32
